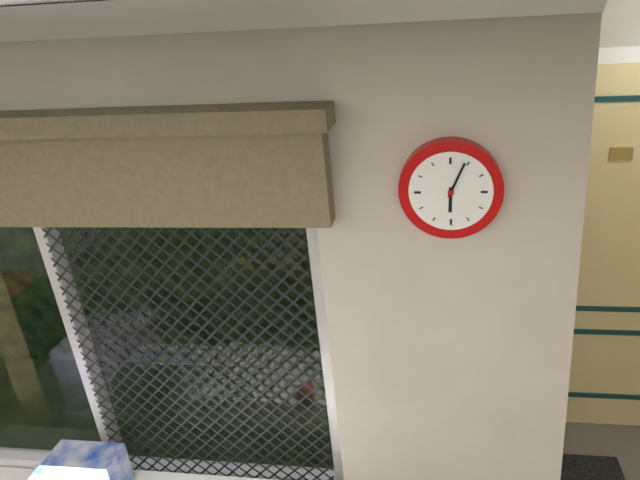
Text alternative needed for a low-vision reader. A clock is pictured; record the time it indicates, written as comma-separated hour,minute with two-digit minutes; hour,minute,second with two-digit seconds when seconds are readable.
6,04
